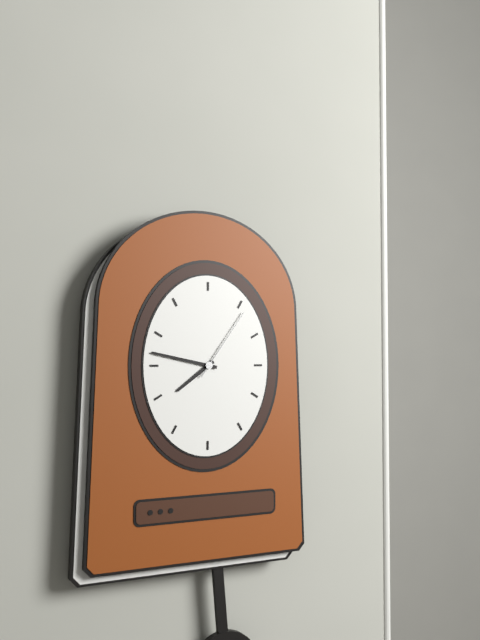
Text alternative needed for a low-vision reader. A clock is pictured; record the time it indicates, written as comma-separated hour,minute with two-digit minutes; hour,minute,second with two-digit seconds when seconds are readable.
7,47,06
